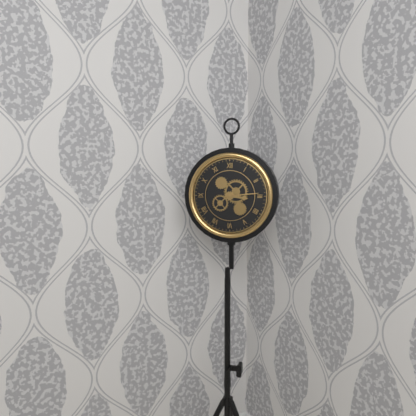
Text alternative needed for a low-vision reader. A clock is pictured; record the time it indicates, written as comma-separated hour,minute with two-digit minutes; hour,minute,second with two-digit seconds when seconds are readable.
3,14
